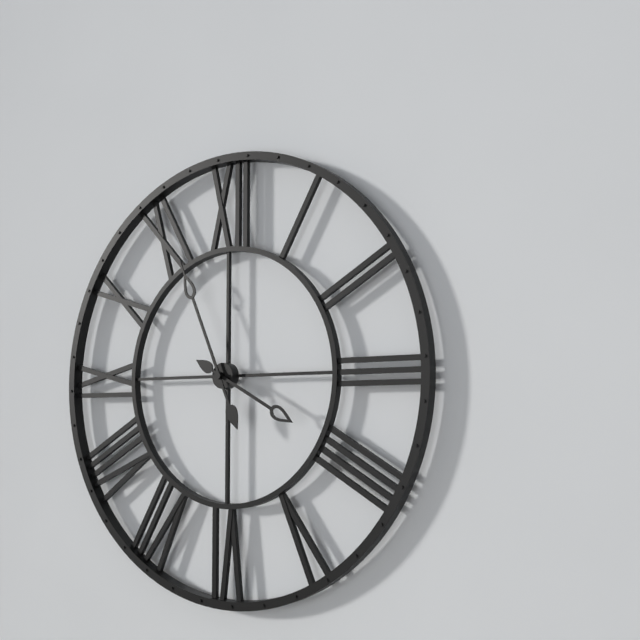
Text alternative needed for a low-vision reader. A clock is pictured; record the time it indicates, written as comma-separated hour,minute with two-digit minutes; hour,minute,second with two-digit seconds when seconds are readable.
3,56
